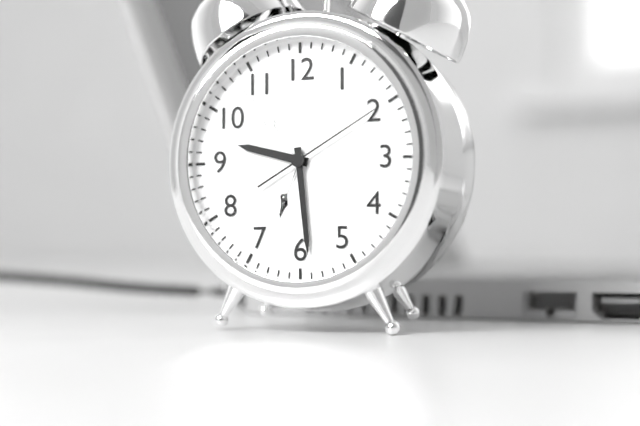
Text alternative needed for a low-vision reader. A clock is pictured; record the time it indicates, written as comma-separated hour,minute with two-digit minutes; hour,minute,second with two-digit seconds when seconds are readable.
9,29,10
